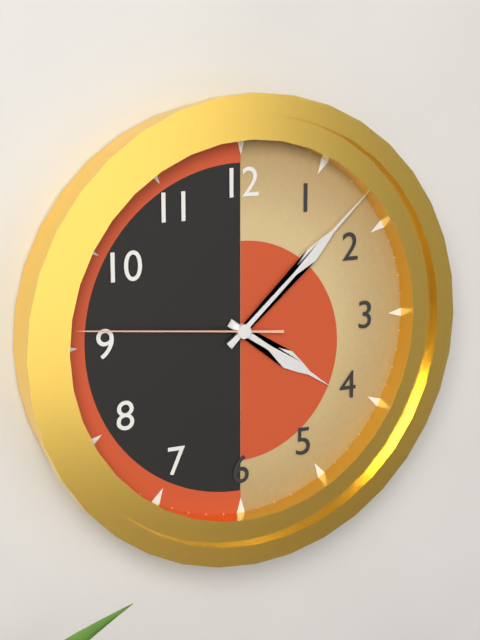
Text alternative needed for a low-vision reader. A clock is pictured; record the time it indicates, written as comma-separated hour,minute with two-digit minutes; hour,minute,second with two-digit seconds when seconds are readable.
4,08,46
